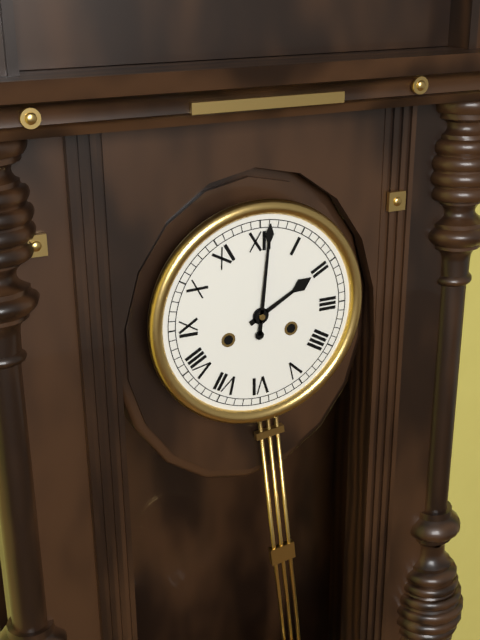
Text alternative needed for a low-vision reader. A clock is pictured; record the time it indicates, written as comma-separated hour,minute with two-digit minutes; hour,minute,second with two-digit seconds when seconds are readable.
2,01
